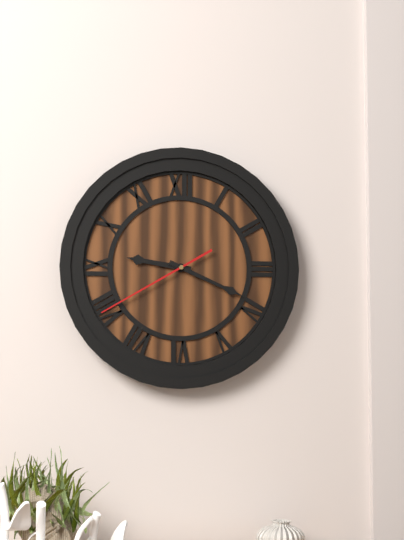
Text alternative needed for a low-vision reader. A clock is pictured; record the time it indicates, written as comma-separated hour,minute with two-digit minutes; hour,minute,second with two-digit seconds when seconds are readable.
9,19,40
